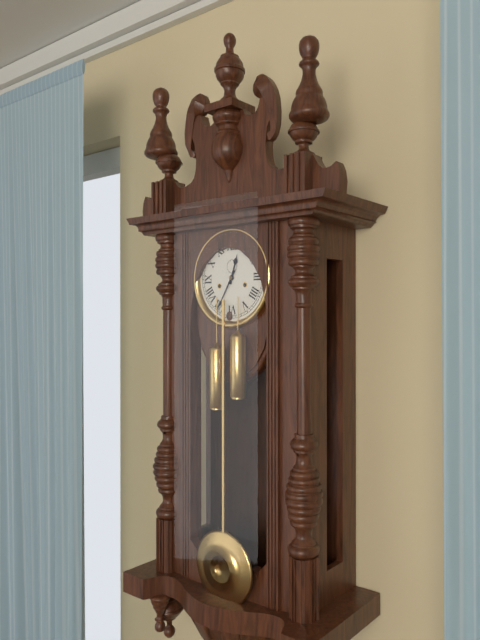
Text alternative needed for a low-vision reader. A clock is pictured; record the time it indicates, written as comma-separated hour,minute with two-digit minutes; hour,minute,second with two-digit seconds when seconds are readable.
12,35
